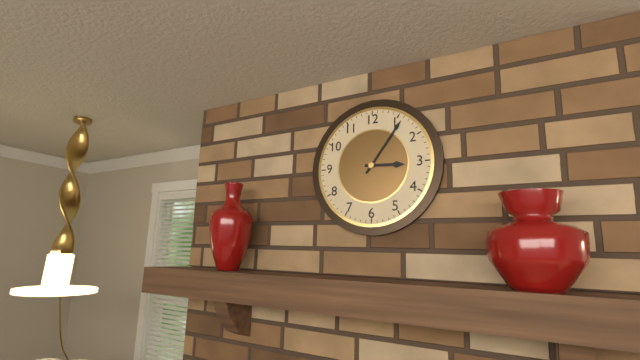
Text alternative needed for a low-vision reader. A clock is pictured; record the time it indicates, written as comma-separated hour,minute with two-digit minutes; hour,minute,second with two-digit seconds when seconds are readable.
3,06
